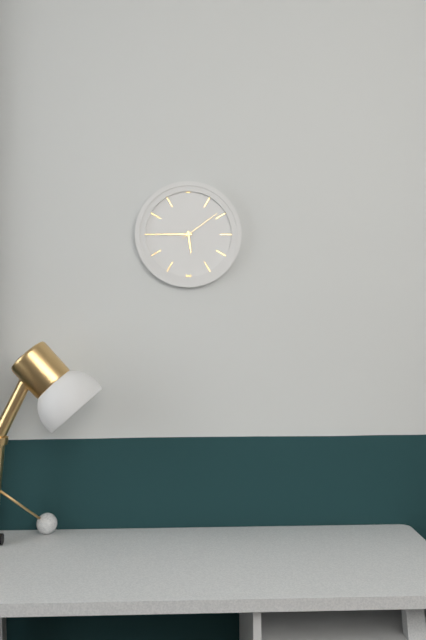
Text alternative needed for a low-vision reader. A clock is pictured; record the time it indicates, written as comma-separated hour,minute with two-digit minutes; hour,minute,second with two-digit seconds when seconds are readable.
5,45
